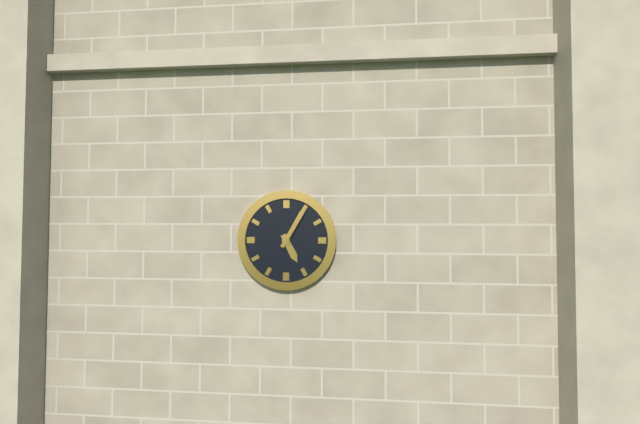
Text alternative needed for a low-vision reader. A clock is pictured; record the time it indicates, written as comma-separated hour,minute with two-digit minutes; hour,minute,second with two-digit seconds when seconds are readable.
5,05
